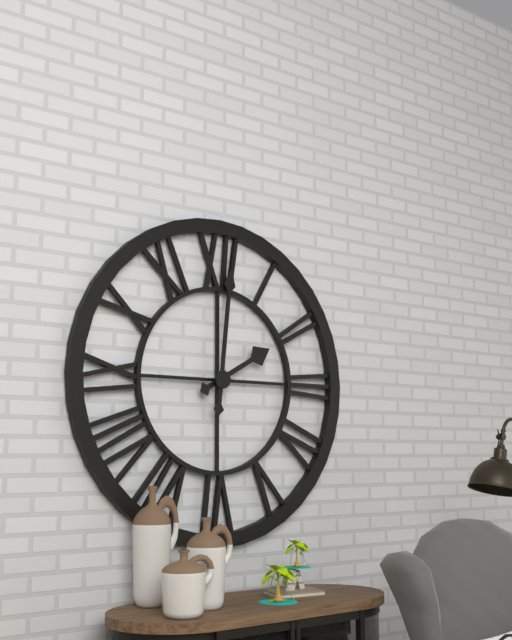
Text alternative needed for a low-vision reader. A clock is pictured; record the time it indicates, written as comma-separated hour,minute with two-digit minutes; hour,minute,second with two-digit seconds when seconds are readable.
2,01
